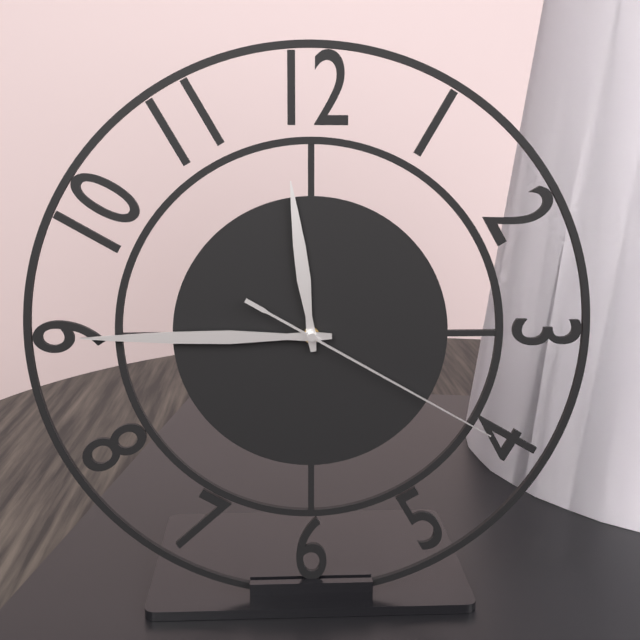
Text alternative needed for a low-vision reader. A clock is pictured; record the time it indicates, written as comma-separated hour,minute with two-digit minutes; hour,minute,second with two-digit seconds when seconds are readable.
11,45,20
